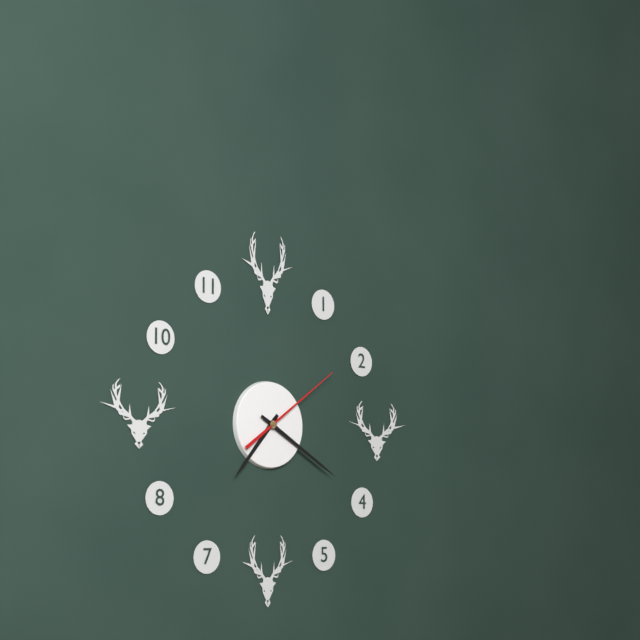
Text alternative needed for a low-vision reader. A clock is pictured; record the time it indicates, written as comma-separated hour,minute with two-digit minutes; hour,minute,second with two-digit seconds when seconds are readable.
7,20,09
